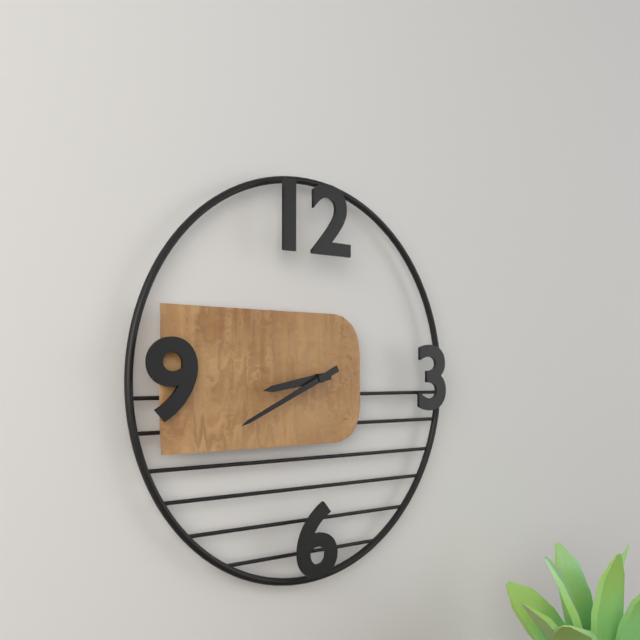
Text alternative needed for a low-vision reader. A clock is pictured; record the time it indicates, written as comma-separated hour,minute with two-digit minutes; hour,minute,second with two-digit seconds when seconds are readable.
8,41
